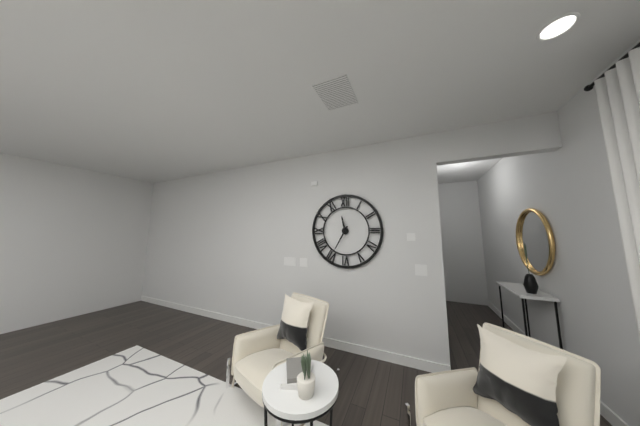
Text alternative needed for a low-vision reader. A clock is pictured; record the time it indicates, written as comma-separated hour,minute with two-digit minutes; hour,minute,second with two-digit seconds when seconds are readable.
11,35
